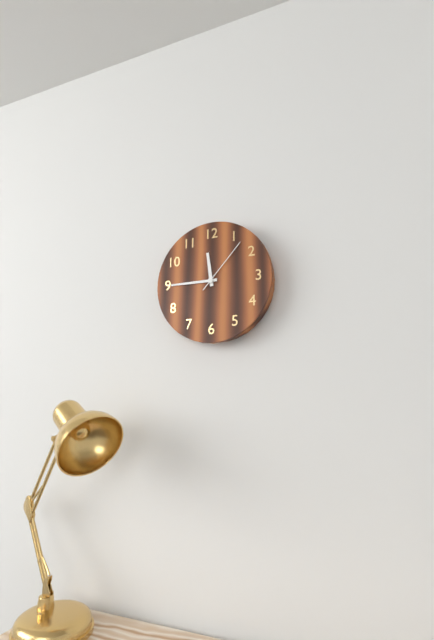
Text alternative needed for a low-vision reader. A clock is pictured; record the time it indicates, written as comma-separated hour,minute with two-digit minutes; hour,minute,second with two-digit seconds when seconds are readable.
11,45,07
